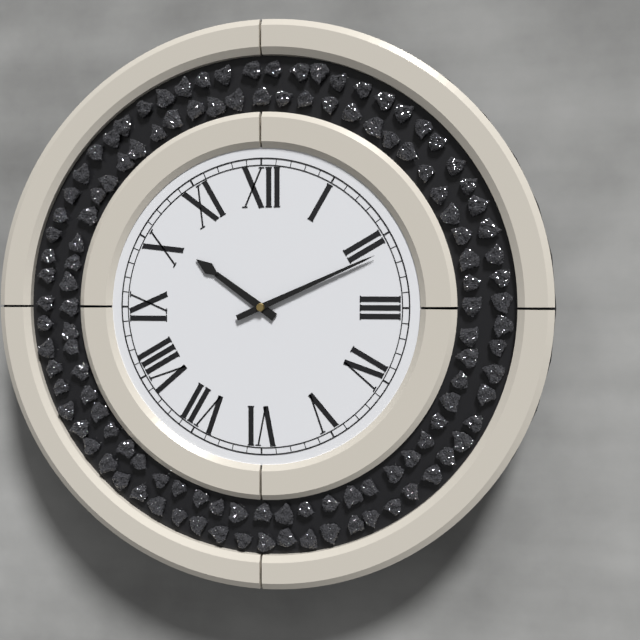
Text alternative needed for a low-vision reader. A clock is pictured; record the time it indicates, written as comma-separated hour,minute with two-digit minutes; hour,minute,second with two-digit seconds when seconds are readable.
10,11
